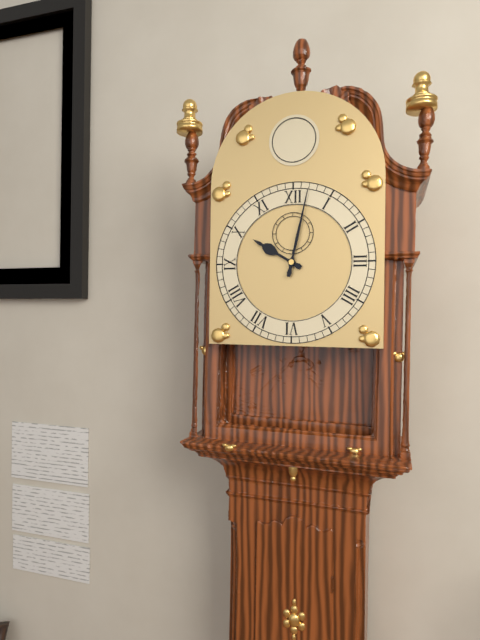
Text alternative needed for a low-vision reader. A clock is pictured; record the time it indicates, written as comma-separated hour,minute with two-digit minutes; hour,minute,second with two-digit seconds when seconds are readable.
10,02
